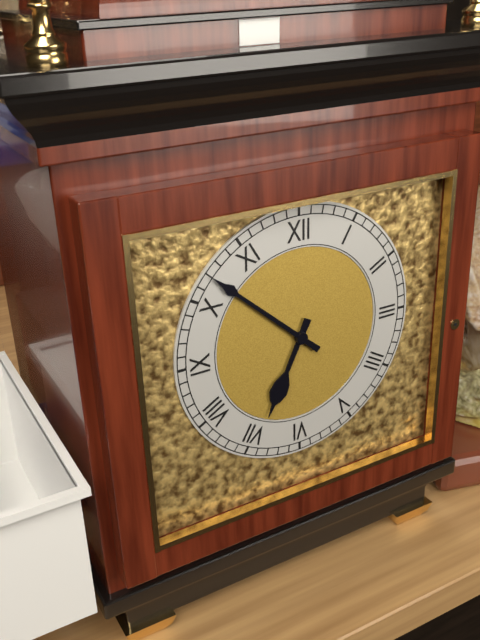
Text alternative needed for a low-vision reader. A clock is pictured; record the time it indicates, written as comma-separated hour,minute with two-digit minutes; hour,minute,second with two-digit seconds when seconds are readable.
6,52
